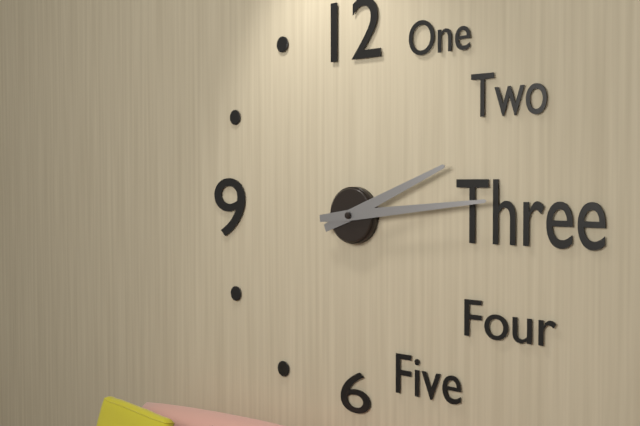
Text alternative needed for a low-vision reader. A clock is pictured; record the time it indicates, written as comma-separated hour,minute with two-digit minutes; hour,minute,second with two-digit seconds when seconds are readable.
2,14
